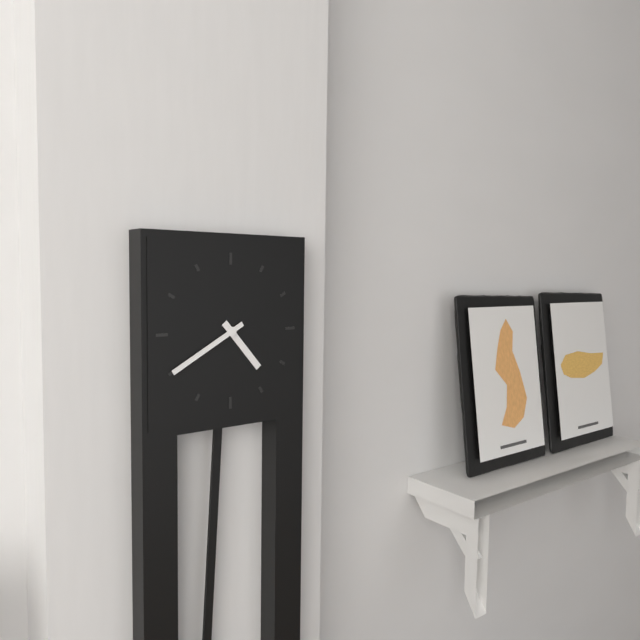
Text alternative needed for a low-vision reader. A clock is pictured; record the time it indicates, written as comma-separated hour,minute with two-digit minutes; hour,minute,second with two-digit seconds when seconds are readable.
4,40
